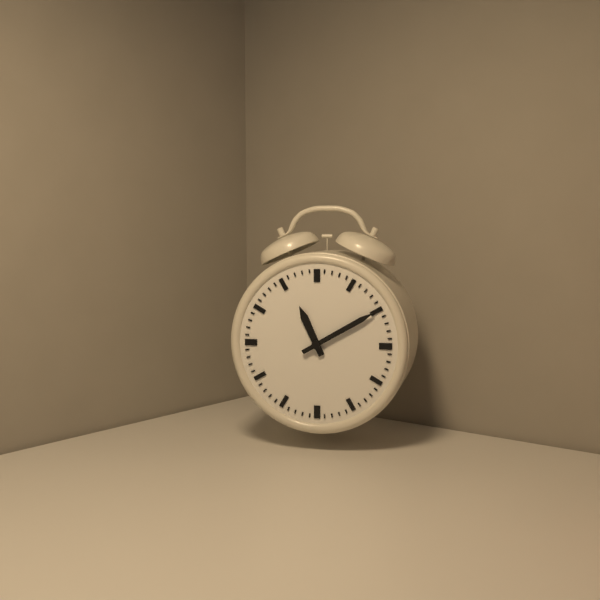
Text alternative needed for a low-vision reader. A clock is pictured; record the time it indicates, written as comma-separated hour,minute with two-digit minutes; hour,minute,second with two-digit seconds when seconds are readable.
11,10
